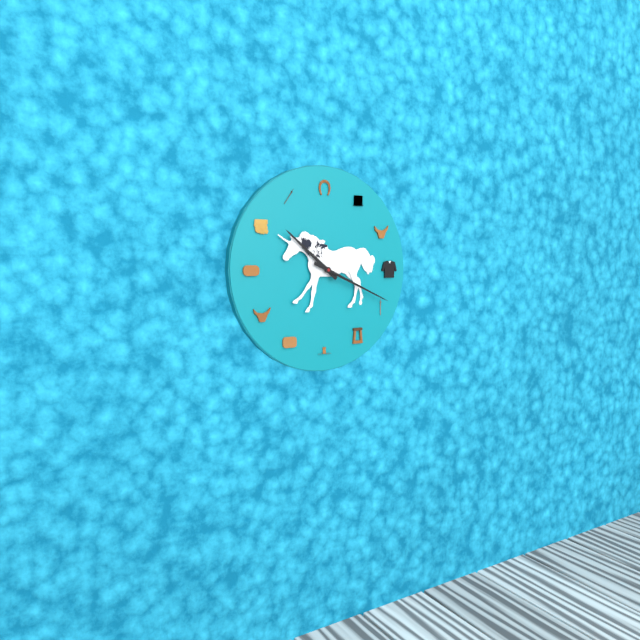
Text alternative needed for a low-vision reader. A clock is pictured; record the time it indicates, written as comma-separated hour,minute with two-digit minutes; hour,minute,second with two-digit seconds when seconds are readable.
10,19
